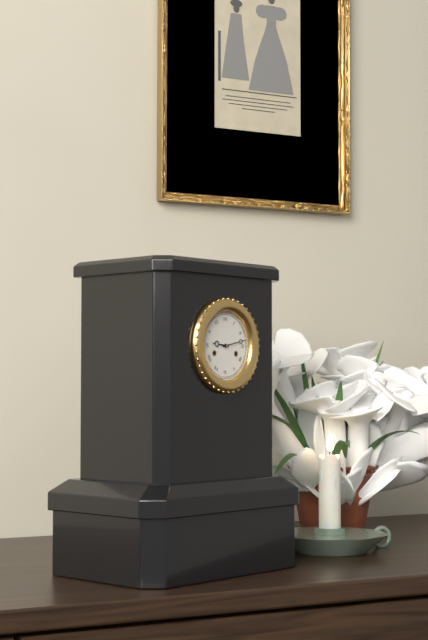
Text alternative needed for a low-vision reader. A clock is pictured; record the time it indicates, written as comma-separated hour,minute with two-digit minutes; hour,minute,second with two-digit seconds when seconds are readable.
9,13
